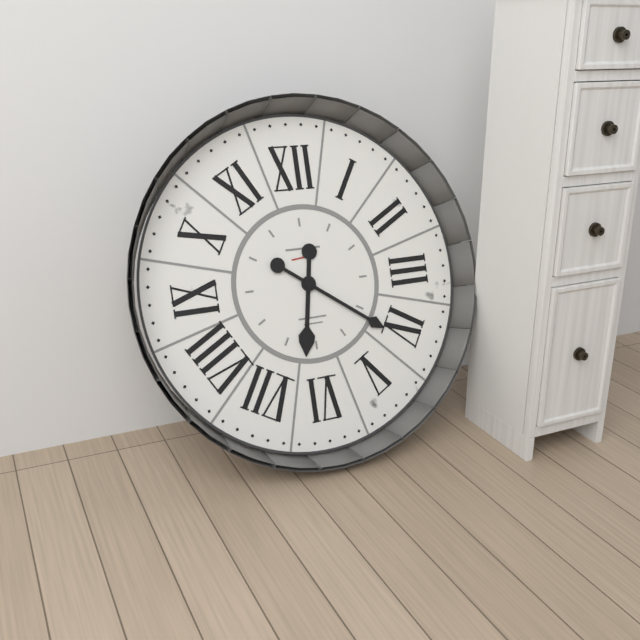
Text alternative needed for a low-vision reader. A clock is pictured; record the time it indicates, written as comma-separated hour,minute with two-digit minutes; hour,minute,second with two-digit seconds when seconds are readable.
6,21
